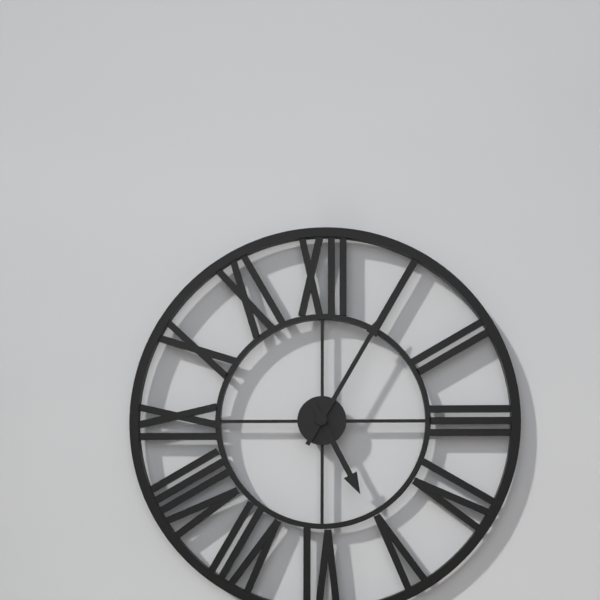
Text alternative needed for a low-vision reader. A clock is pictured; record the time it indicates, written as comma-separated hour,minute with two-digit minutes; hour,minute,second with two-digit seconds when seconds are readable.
5,05
